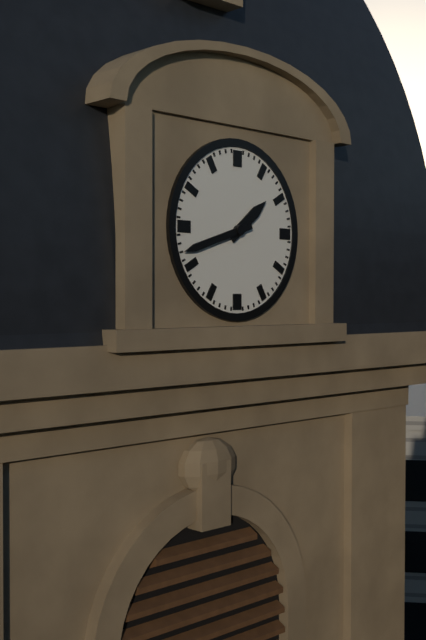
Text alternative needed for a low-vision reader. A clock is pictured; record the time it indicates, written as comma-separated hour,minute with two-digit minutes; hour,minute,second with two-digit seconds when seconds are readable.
1,42
